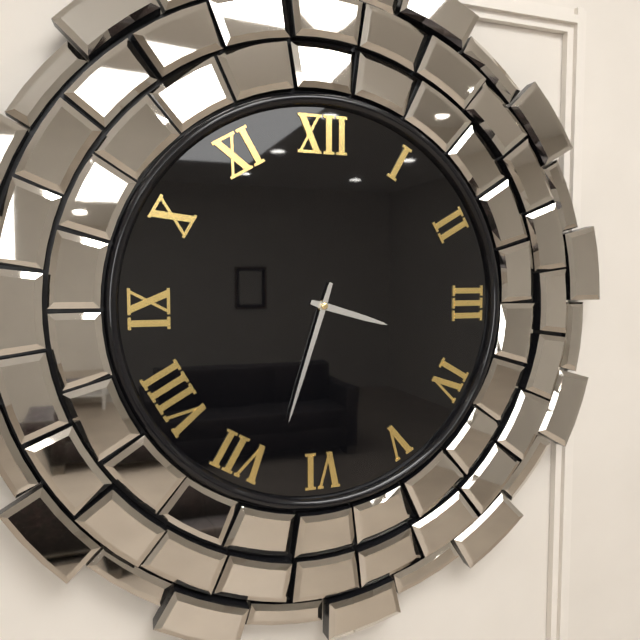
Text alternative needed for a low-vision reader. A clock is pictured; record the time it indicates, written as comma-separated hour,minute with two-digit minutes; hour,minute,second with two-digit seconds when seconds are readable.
3,33
